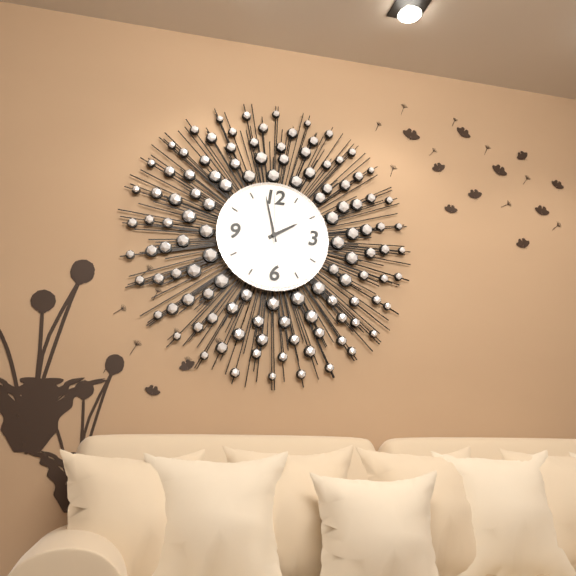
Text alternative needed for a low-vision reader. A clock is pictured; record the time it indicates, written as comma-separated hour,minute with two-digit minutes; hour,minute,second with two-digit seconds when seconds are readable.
1,58,00
